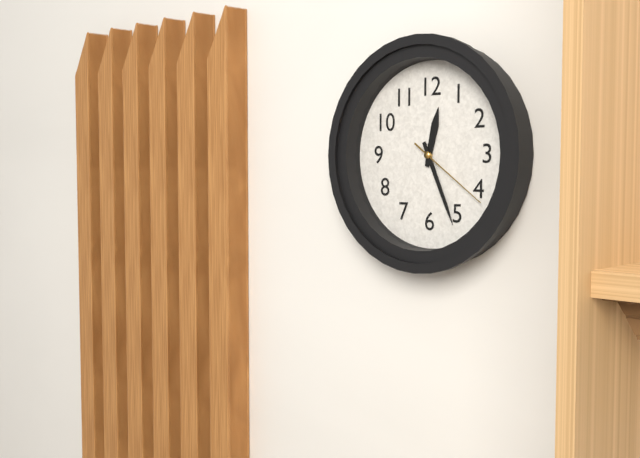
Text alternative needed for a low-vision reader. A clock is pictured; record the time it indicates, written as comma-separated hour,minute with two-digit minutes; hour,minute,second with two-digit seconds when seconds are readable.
12,26,21
